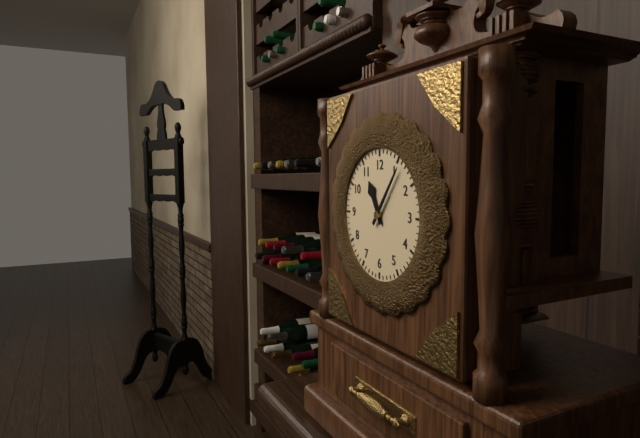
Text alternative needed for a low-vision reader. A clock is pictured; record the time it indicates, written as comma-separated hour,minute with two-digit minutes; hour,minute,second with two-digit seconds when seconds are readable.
11,06
